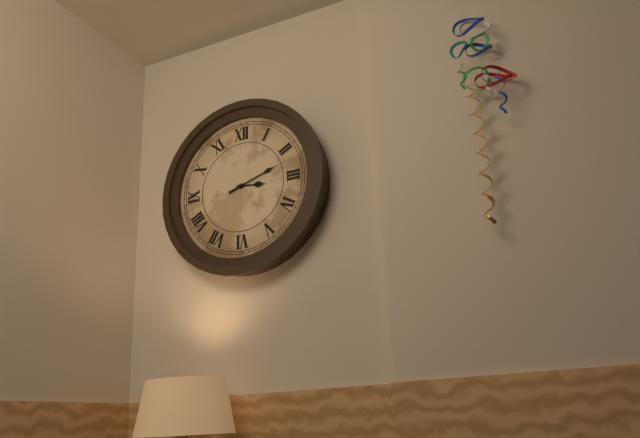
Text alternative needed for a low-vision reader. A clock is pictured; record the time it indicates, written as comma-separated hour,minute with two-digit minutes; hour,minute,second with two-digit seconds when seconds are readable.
3,12
